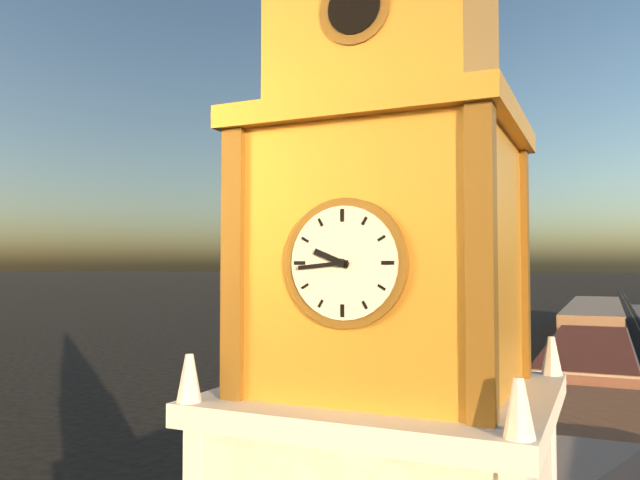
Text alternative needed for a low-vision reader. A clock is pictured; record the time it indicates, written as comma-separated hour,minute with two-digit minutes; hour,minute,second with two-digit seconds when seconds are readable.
9,44
